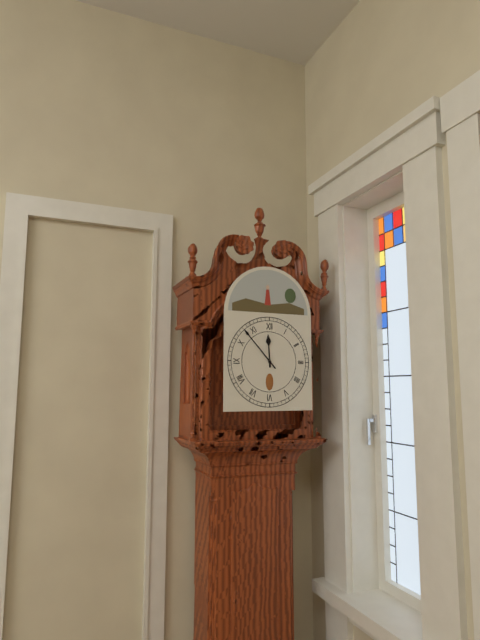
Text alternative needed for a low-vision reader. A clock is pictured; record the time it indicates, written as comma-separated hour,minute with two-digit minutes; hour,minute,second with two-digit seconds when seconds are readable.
11,53
